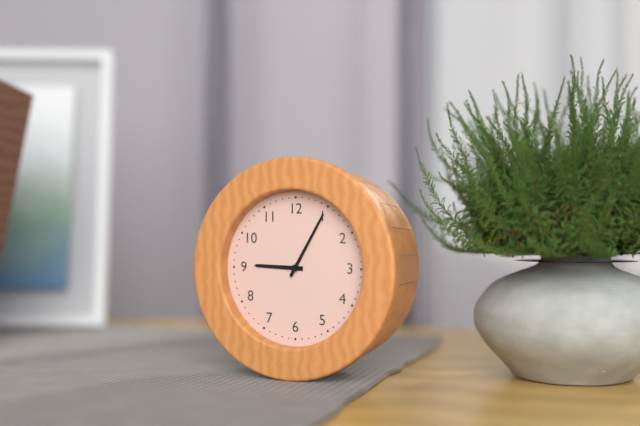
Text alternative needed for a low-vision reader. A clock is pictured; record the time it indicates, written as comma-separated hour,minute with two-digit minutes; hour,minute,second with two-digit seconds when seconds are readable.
9,05
